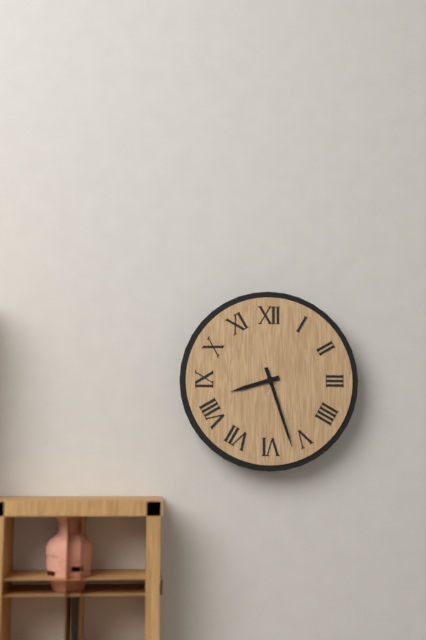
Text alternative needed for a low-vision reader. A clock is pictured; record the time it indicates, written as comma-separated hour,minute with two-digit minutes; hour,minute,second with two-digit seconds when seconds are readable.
8,27
